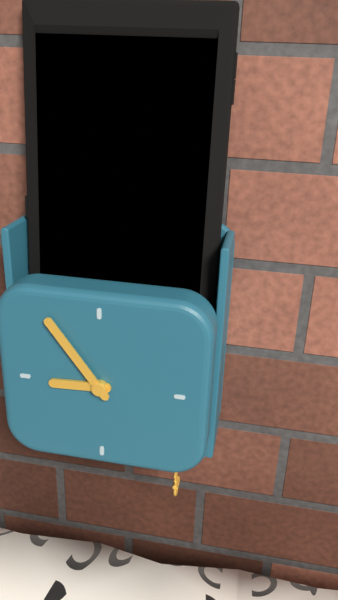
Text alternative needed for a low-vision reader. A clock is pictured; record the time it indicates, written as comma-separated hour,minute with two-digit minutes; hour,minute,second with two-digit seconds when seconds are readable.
8,54
